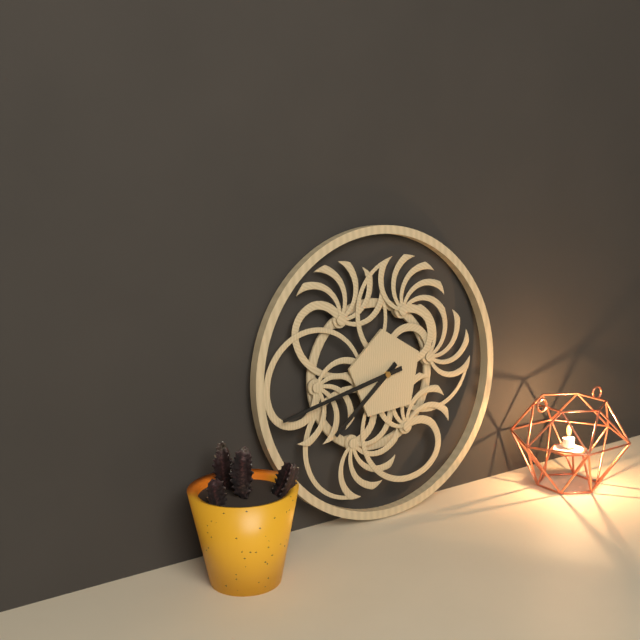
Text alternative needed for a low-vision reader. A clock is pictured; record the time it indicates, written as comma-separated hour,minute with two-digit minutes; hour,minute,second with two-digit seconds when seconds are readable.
7,43
